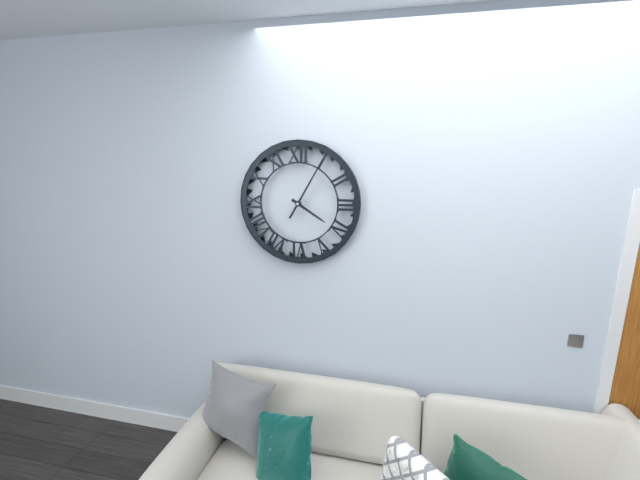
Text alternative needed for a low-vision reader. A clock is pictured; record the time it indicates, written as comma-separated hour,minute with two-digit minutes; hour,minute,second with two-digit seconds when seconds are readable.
4,05
